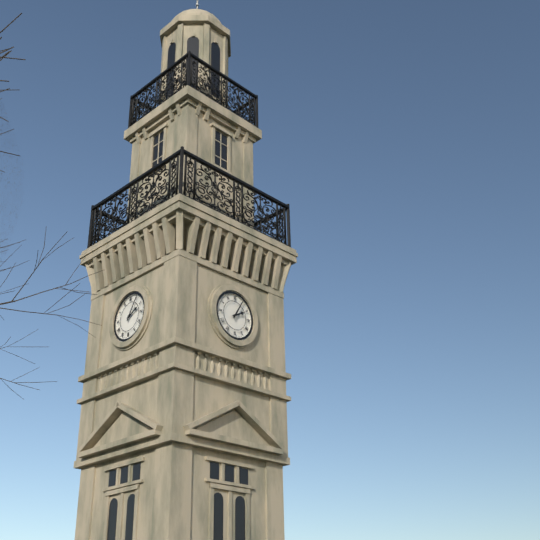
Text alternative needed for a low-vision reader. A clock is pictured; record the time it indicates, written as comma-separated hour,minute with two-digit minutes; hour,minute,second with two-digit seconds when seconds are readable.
2,05
